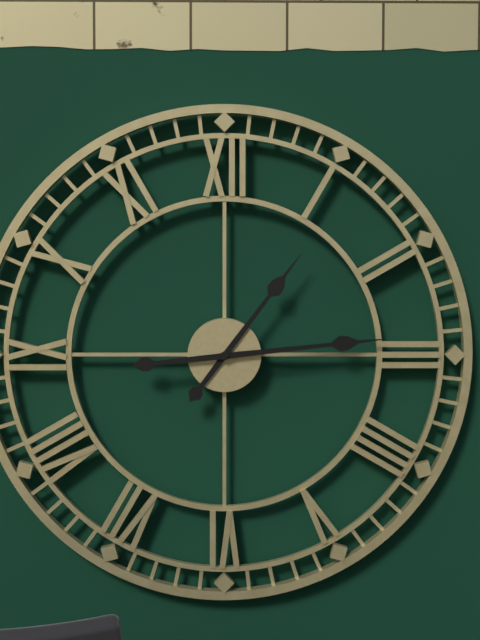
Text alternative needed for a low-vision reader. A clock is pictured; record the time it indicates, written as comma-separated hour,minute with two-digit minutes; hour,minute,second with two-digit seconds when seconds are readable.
1,14
